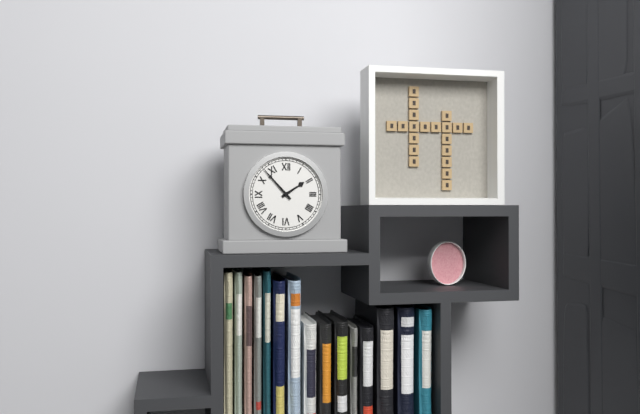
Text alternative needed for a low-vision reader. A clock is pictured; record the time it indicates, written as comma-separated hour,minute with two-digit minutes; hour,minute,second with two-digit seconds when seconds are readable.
1,53
